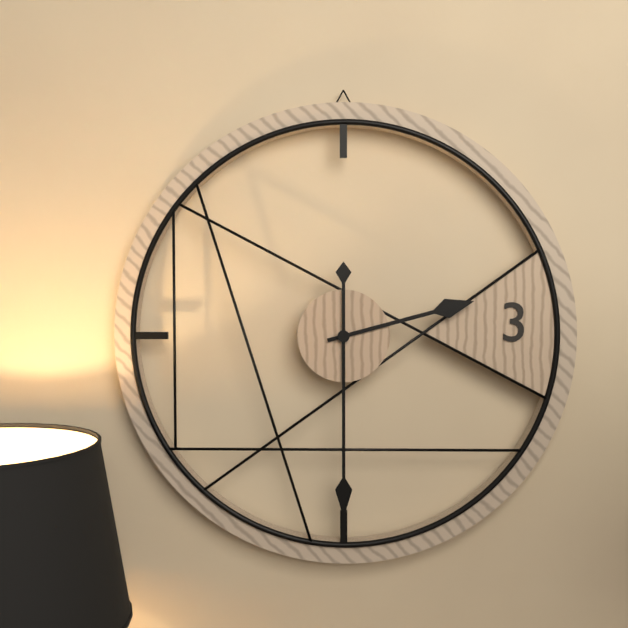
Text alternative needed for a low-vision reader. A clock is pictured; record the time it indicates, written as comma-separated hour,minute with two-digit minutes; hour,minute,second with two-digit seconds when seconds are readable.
2,30
